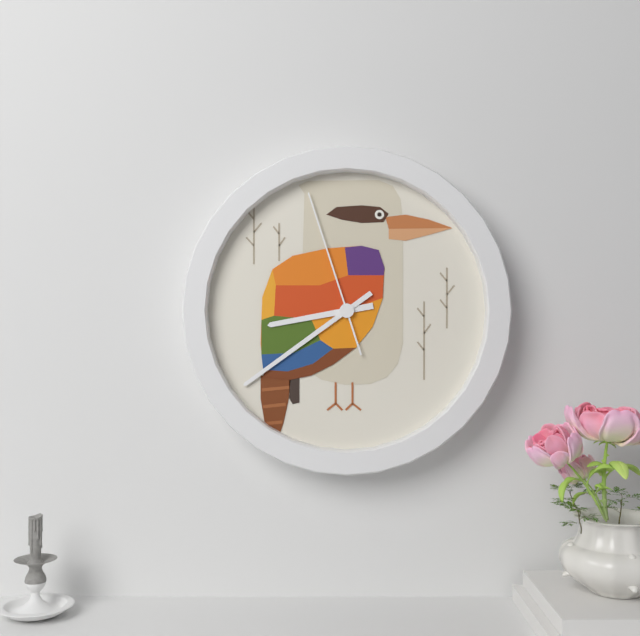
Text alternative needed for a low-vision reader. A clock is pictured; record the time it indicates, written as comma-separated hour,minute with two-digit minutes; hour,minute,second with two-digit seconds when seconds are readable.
8,39,57
